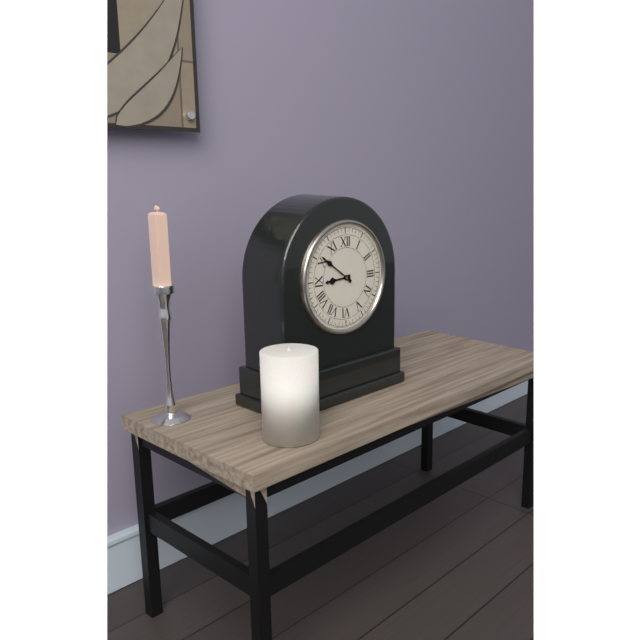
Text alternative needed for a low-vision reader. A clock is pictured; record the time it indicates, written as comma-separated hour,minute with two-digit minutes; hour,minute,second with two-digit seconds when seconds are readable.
8,51
